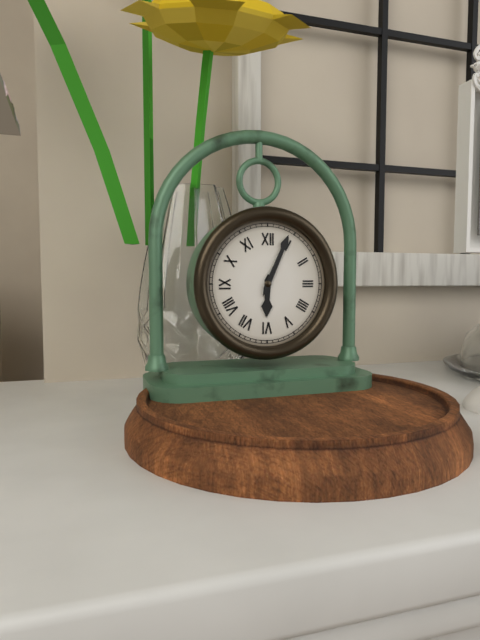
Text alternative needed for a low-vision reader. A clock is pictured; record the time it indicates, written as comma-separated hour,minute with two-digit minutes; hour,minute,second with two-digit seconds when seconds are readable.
6,04
